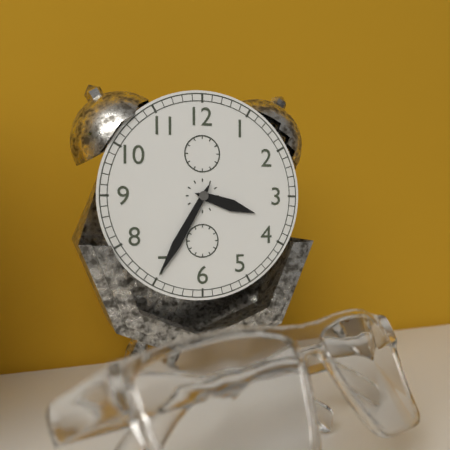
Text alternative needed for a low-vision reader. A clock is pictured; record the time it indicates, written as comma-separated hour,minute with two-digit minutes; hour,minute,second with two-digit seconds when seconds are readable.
3,35
